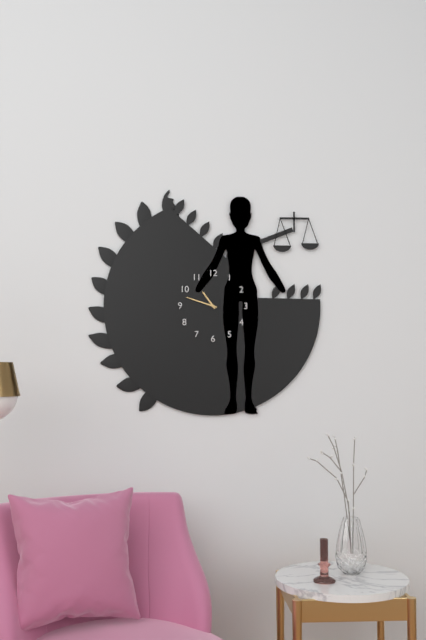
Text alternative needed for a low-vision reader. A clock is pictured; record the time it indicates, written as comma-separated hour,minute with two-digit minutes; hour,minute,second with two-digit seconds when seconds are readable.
10,48
